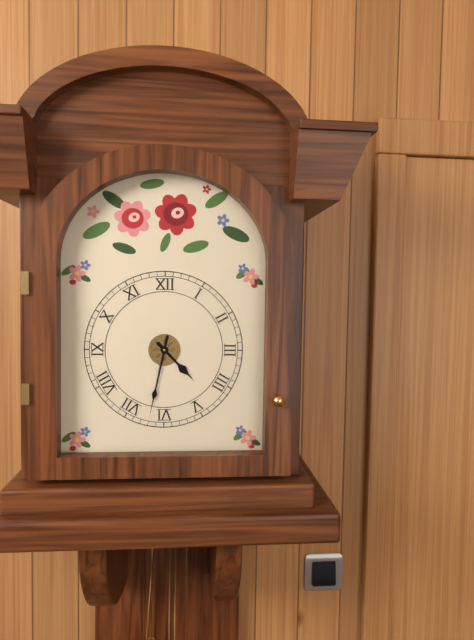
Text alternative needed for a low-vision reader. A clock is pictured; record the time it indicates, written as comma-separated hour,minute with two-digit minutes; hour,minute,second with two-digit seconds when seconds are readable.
4,32
